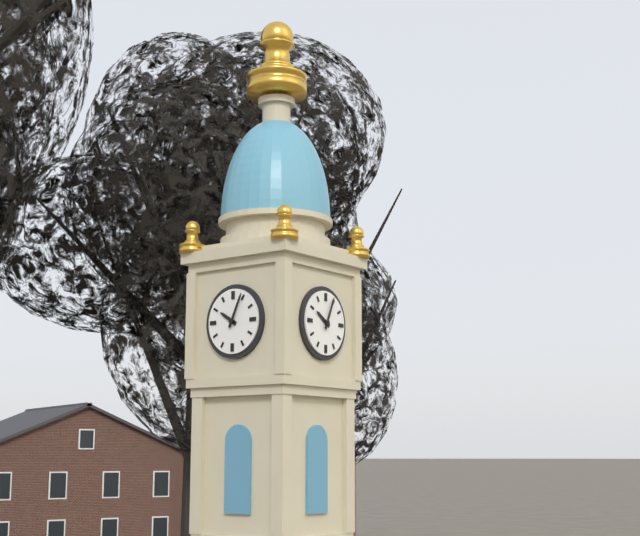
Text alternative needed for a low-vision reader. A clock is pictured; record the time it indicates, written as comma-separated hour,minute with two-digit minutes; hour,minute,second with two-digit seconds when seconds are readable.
10,04
